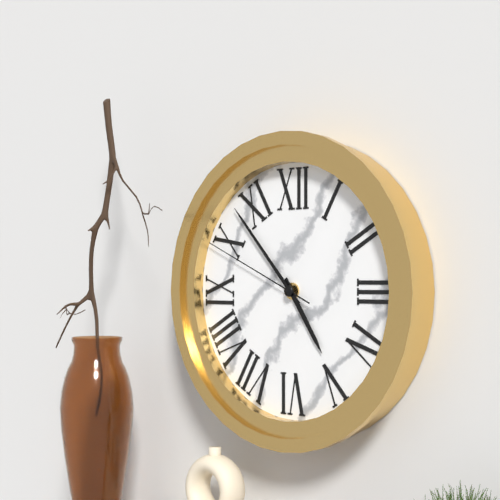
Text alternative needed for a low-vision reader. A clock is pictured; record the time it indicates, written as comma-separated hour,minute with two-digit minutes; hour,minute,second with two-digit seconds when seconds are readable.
4,53,49
